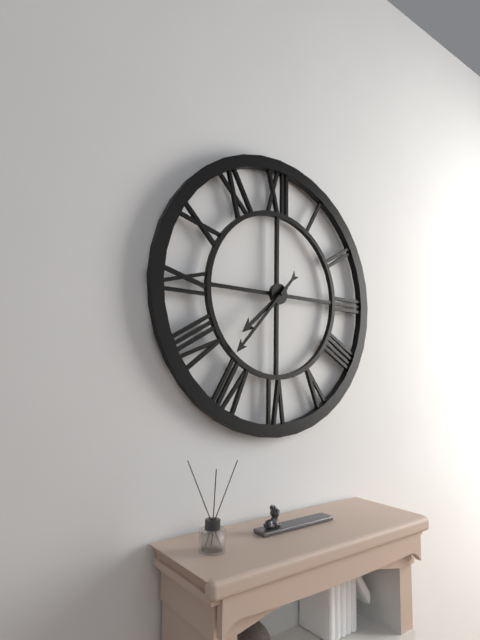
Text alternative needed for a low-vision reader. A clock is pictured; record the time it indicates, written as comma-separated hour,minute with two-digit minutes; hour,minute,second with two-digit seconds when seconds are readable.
7,37
